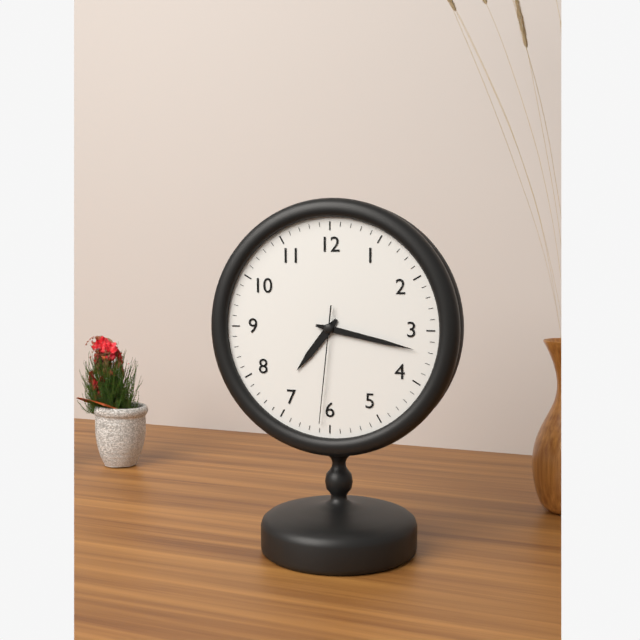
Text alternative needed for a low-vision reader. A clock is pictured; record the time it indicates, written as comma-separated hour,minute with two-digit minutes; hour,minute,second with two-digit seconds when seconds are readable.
7,17,31
